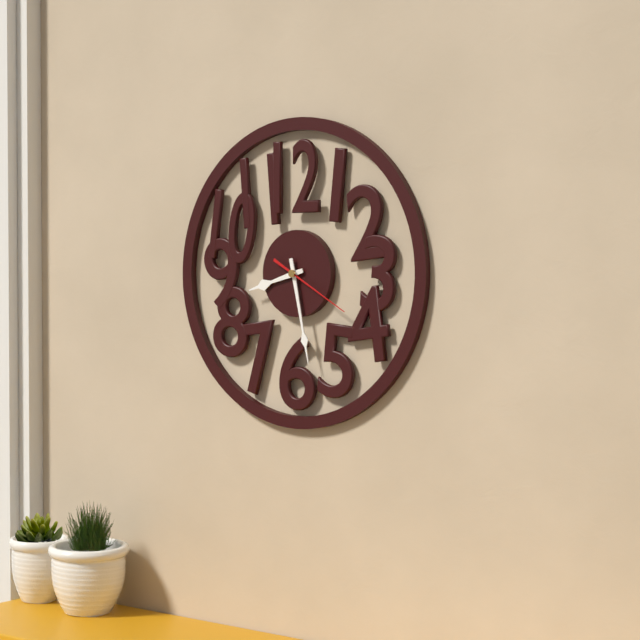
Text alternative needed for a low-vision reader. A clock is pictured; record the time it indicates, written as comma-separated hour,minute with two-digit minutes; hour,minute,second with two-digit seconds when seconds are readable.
8,28,20
